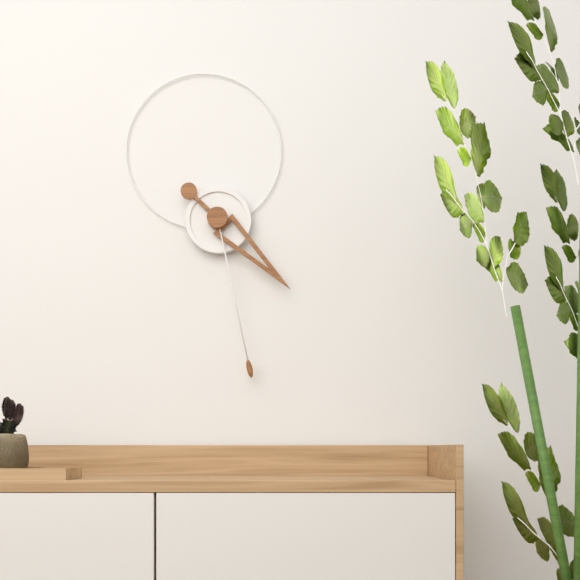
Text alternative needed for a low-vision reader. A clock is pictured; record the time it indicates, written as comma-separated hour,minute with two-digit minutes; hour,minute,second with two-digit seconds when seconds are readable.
4,28
